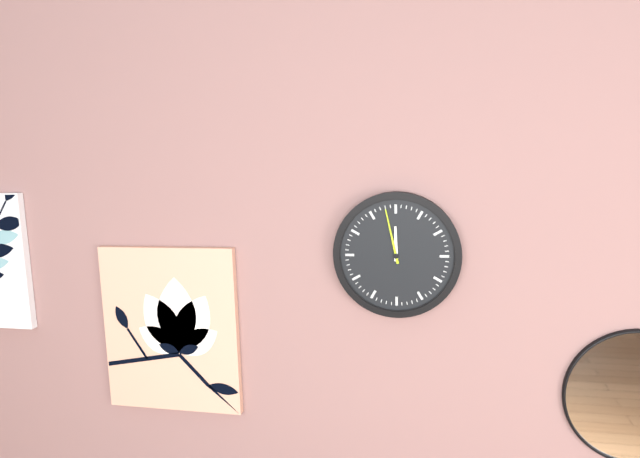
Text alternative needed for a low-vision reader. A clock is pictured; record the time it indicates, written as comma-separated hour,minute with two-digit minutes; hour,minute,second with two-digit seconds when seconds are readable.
11,58
